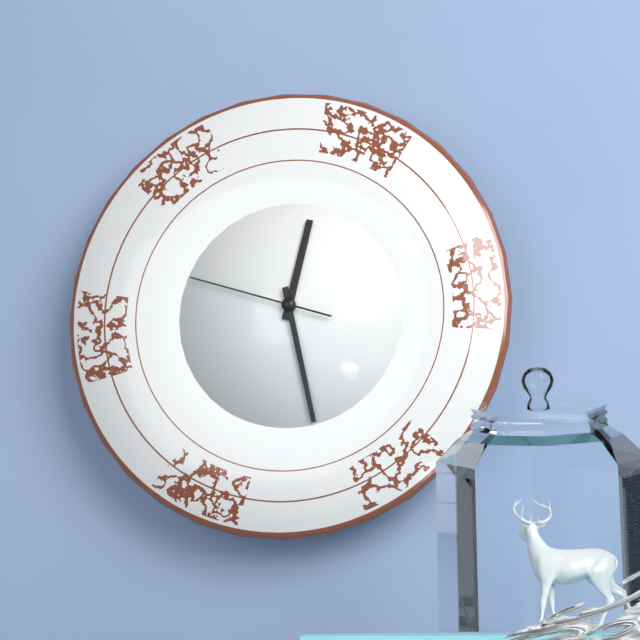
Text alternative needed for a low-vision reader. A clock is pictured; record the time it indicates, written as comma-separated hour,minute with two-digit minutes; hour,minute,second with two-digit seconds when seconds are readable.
12,28,48
